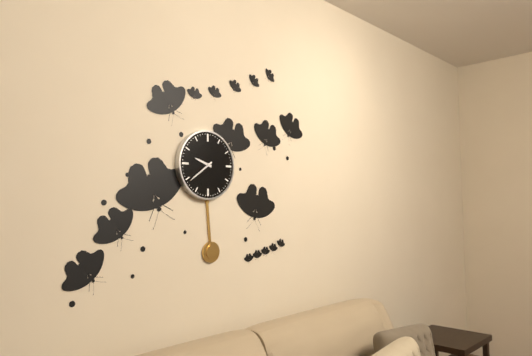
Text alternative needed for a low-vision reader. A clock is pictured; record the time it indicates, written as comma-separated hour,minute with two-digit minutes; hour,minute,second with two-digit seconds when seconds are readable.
9,39
